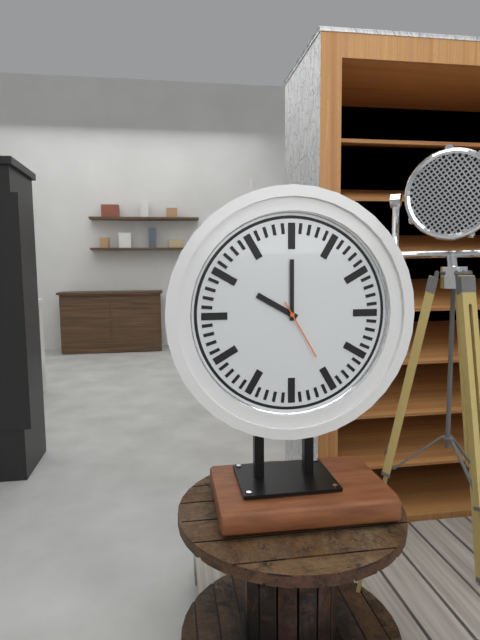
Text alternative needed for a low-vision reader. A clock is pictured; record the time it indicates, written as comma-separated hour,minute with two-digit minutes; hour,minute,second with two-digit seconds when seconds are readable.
10,00,25
